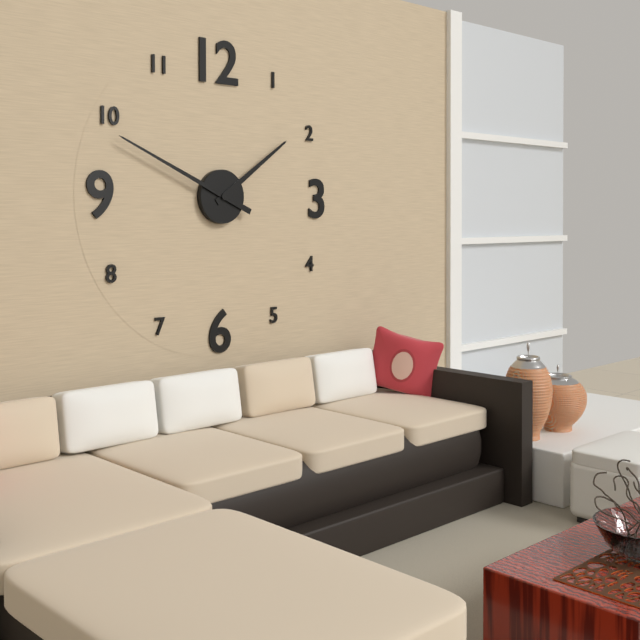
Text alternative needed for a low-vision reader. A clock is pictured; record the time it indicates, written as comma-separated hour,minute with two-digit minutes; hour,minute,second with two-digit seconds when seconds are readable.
1,49
